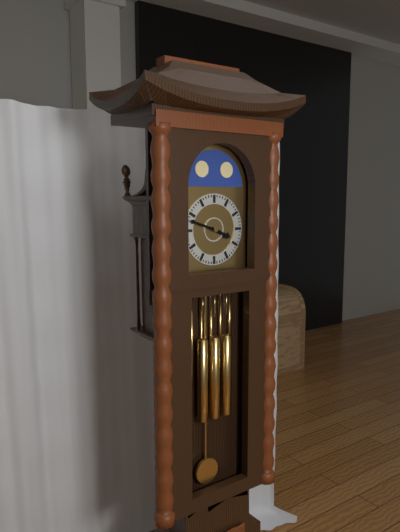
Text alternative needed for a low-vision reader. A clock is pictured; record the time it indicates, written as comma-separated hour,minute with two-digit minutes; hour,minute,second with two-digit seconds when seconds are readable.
3,48
